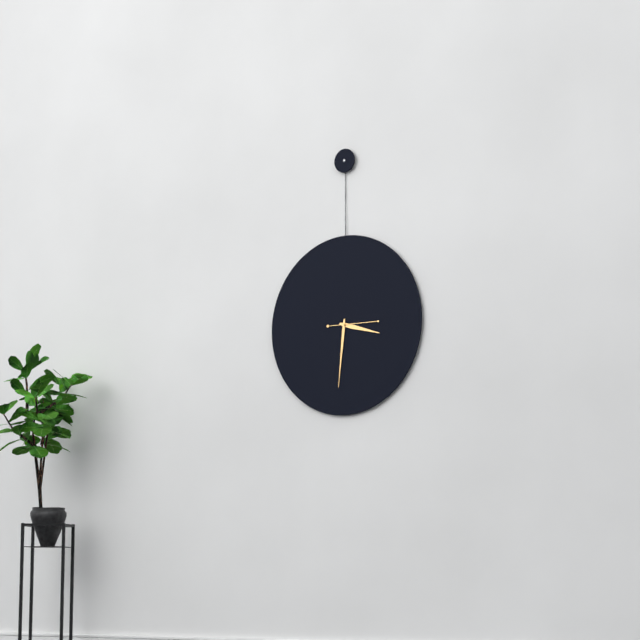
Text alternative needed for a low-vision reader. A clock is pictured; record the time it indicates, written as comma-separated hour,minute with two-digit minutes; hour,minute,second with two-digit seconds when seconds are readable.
3,31
